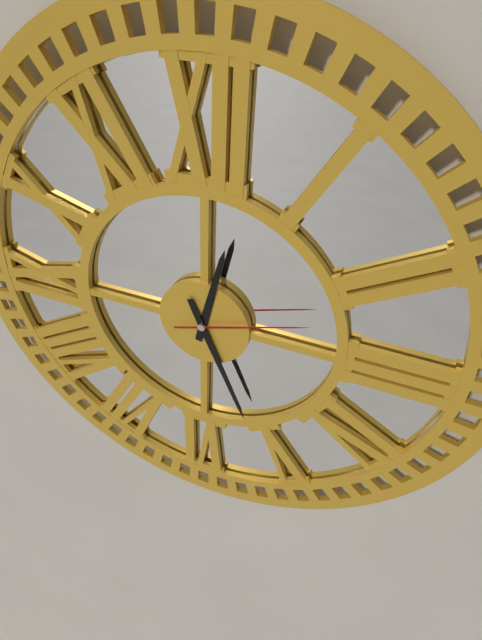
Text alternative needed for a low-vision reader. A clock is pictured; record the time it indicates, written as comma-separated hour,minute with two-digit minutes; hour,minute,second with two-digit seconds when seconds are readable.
12,26,12
